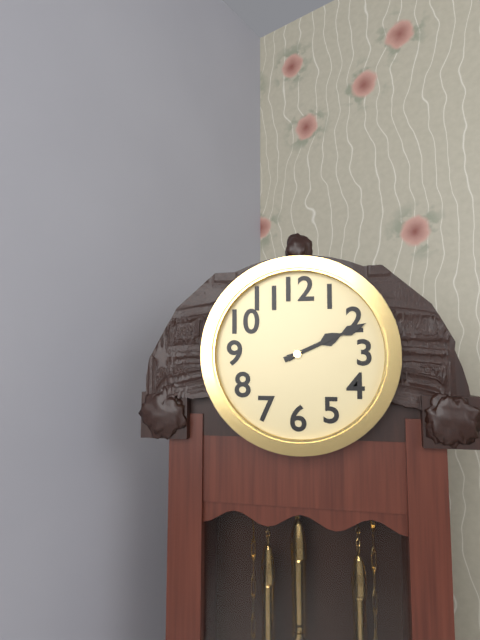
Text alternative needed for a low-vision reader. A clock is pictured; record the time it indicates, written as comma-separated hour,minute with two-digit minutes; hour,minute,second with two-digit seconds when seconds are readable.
2,11
